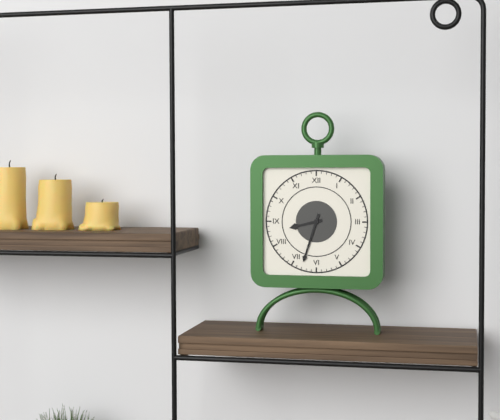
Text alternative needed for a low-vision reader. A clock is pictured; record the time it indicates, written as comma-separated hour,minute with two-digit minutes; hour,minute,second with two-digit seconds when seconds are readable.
8,33
